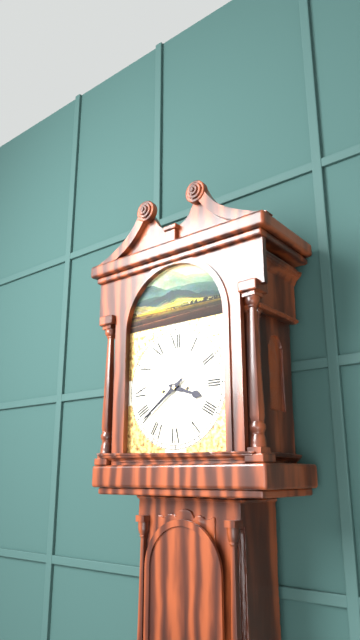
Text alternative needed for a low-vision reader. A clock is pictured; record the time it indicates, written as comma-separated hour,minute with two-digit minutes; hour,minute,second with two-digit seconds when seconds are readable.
3,39
